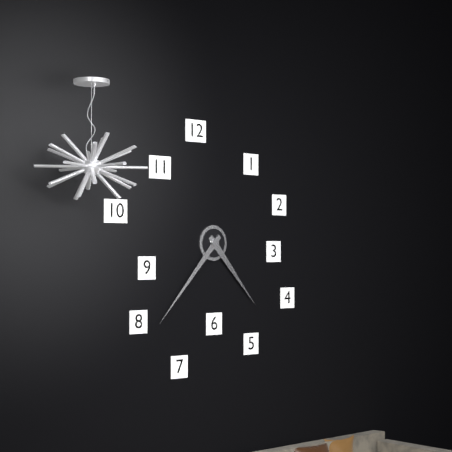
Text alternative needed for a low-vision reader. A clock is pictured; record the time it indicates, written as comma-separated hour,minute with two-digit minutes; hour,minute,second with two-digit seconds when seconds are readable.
4,37
